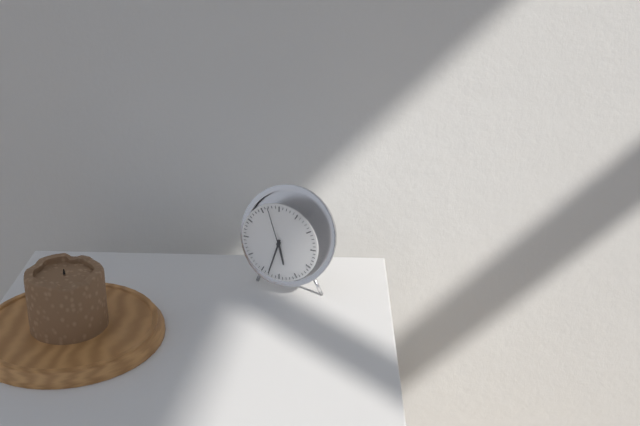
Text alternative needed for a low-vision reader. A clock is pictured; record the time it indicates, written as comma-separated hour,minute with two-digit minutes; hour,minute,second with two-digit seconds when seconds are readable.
5,33
